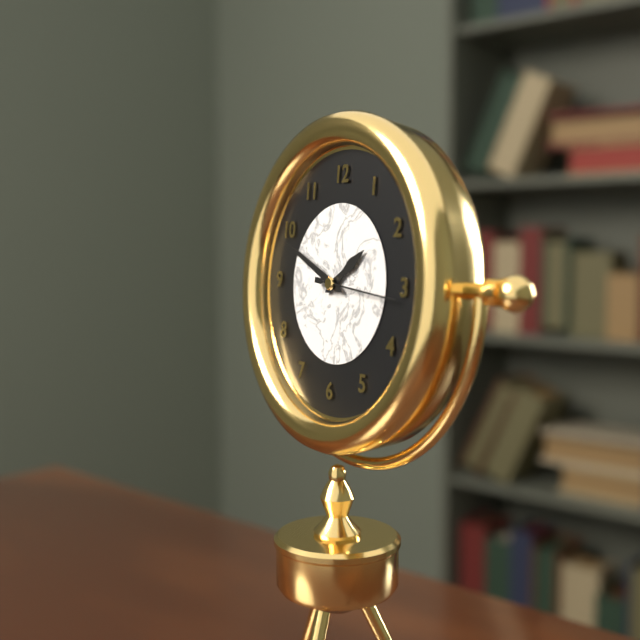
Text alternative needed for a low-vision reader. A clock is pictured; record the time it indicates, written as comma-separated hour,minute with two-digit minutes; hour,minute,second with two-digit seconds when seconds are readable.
1,49,16
